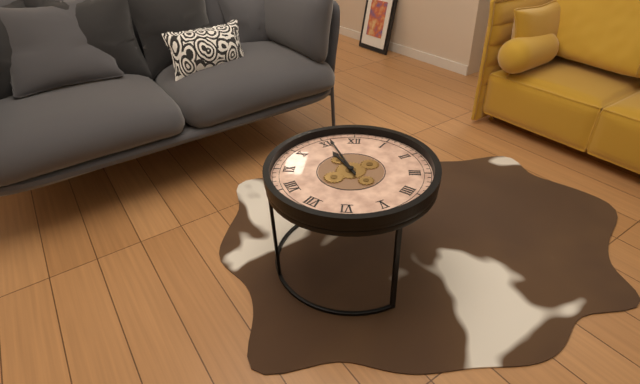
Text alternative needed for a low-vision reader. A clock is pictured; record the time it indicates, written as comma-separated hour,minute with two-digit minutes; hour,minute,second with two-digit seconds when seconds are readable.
10,56
